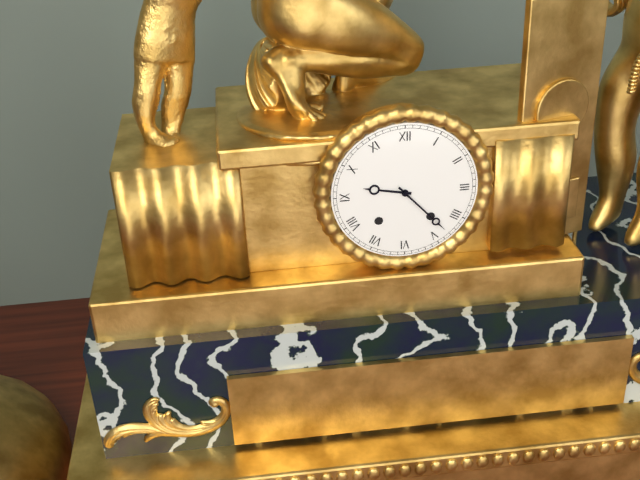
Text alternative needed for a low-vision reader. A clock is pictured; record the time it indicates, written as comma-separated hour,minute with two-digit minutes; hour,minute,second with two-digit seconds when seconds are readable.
9,23
